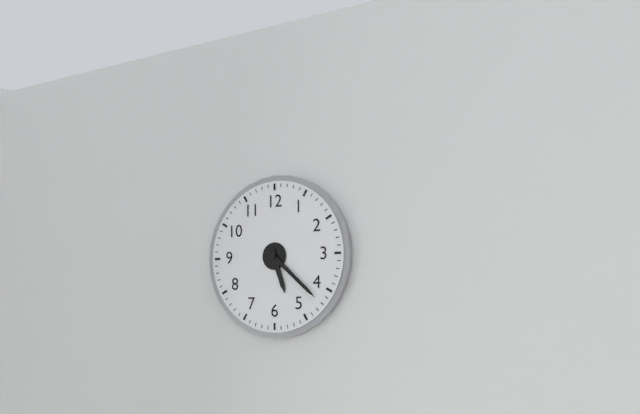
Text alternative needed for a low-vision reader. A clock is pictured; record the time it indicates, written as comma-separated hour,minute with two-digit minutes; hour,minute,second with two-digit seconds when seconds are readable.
5,22
